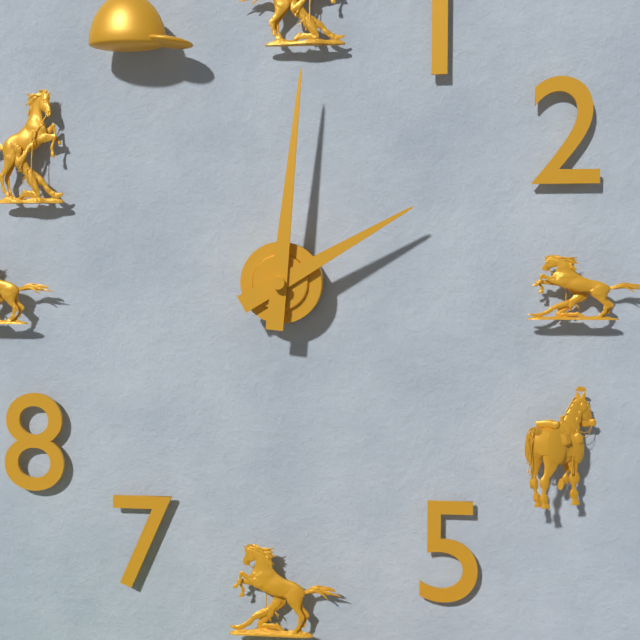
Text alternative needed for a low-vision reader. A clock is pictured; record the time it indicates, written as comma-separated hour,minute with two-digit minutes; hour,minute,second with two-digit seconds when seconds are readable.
2,01
